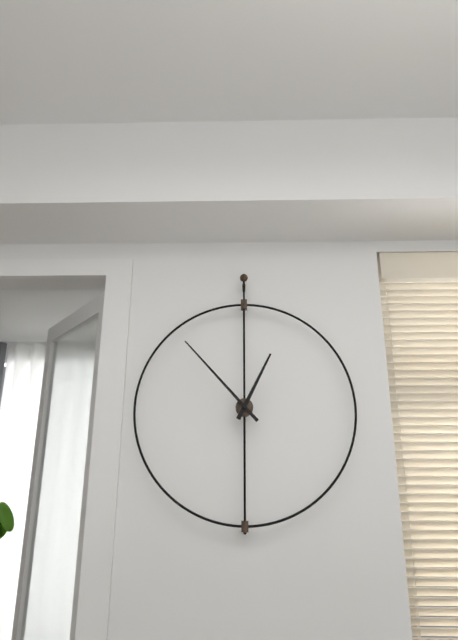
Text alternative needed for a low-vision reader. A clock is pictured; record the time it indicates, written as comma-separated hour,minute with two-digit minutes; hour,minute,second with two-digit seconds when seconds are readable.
12,53
